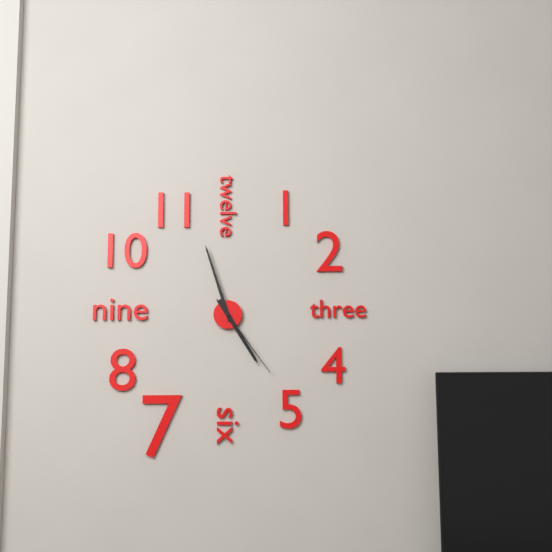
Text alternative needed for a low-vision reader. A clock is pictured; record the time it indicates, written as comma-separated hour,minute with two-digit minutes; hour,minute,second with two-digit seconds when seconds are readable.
4,57,24
